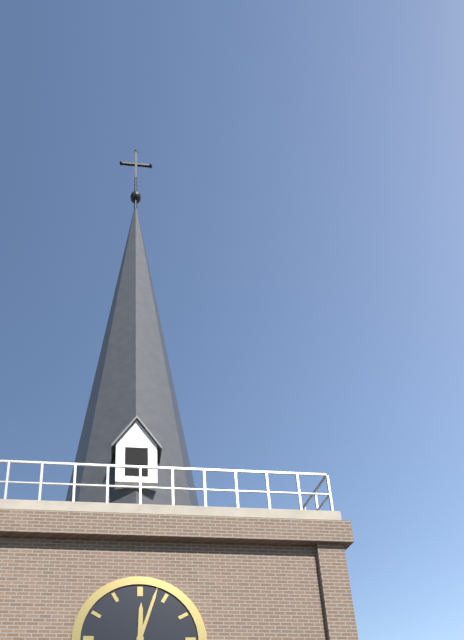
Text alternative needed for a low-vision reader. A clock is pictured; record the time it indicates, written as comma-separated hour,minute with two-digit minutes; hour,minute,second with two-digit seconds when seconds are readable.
12,03
